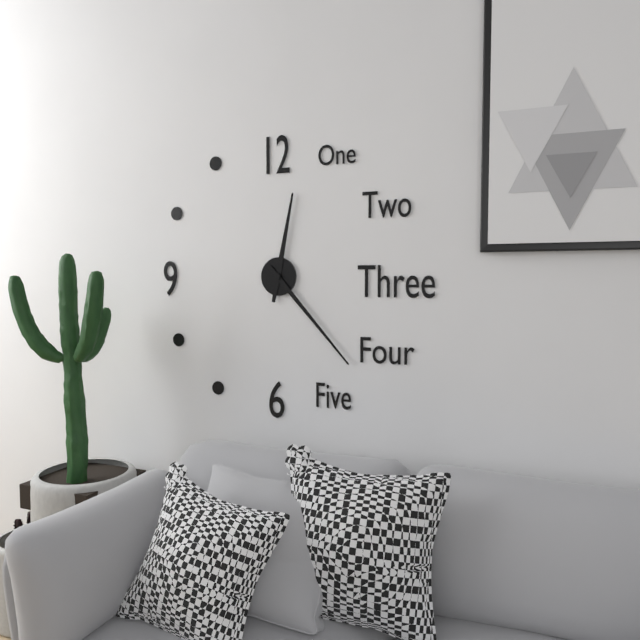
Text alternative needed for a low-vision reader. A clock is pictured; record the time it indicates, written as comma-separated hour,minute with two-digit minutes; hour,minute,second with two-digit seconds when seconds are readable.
12,23
